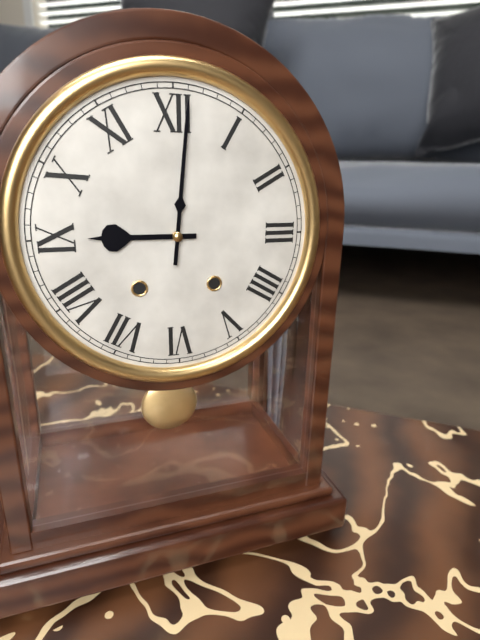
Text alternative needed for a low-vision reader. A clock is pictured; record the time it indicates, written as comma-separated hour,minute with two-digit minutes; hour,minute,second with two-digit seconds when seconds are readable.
9,01
